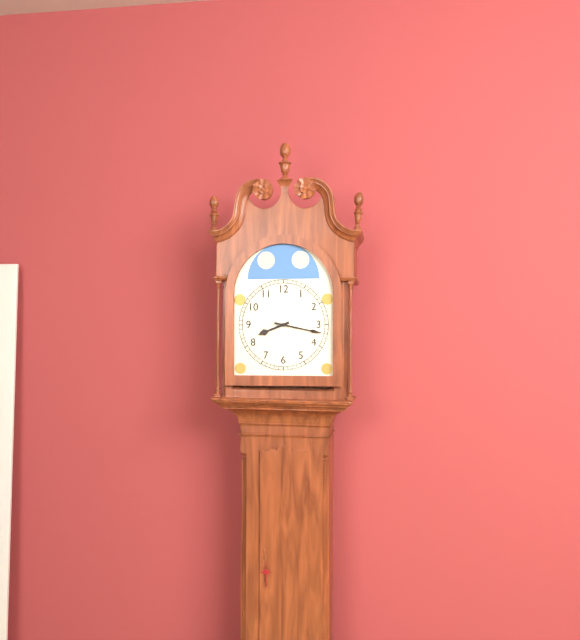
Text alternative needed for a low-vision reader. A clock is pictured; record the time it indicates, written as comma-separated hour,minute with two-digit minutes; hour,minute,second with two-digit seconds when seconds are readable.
8,17
